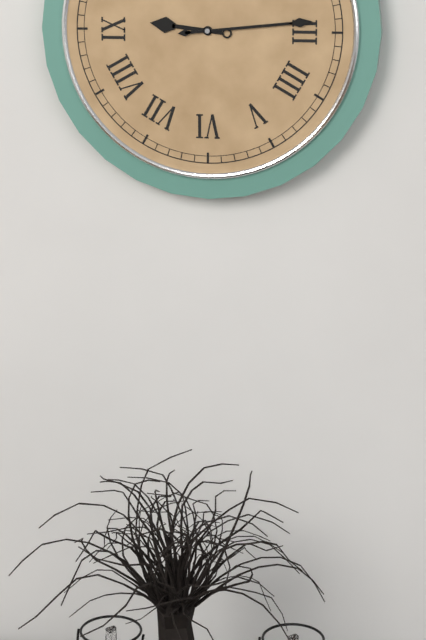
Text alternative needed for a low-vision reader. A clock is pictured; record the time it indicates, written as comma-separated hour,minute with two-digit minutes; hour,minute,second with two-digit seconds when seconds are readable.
9,14
